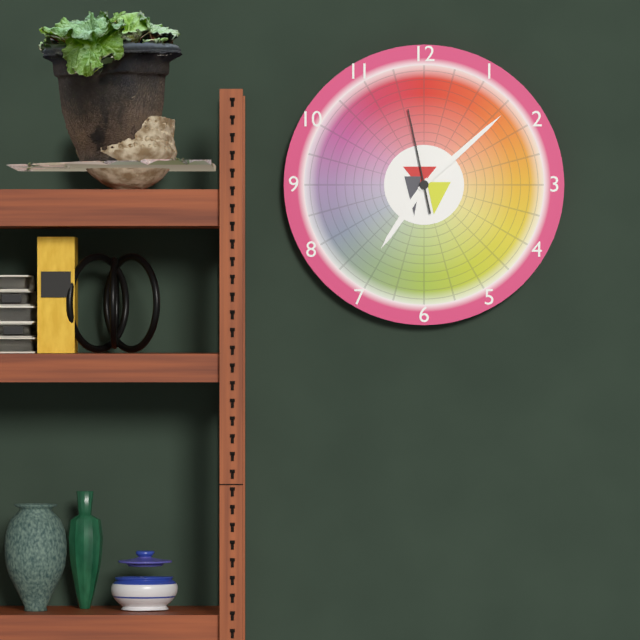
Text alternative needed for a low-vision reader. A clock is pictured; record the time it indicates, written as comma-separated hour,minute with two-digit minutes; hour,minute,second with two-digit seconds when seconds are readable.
7,08,58
